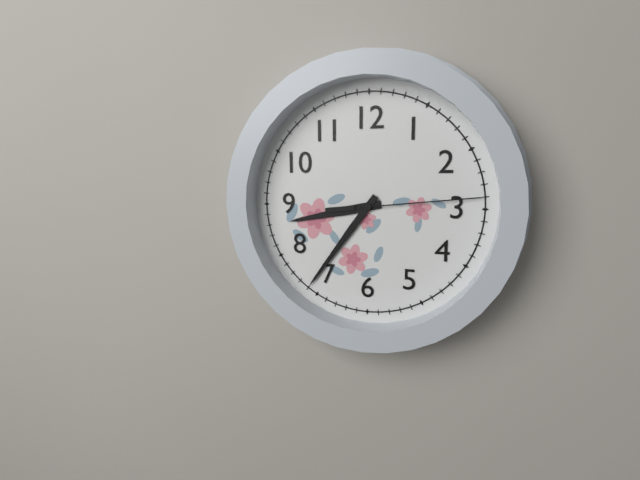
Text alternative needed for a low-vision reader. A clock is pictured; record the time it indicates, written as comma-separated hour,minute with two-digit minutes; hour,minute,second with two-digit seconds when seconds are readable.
8,36,14
